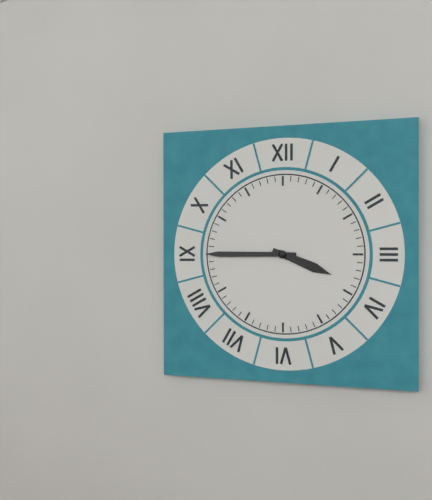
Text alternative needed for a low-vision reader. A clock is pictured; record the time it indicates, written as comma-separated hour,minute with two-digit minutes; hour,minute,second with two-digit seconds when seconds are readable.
3,45
